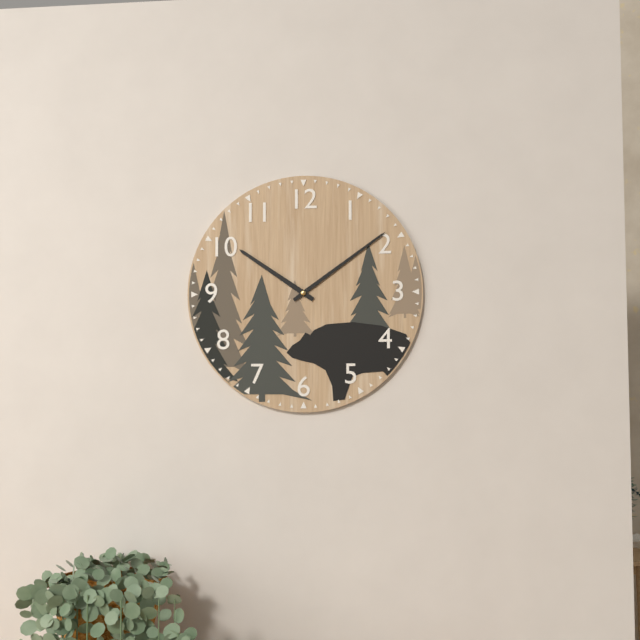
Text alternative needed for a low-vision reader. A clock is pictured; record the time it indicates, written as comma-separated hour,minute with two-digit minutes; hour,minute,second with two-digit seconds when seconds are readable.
10,09
